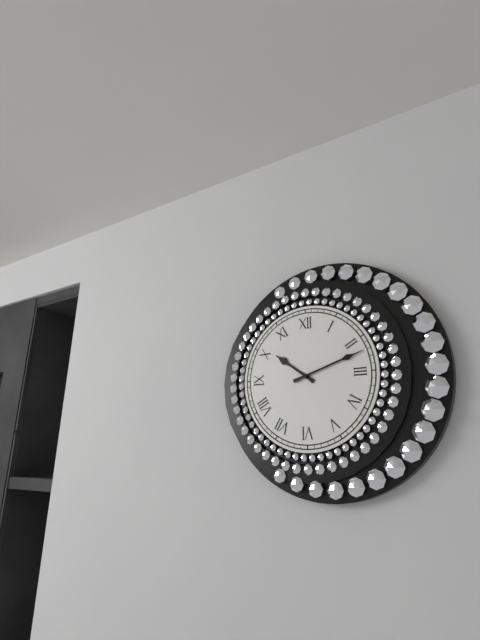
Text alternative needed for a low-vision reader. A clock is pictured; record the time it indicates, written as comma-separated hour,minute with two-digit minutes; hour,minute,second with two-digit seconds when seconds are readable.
10,12
